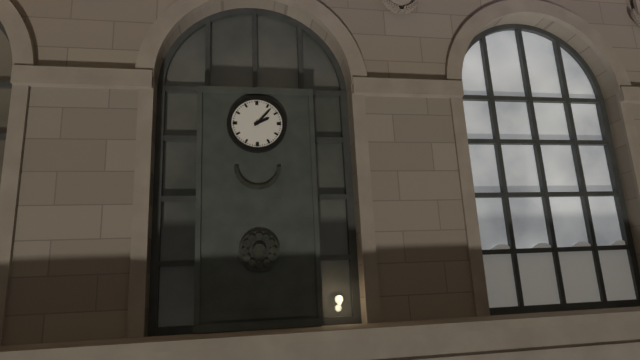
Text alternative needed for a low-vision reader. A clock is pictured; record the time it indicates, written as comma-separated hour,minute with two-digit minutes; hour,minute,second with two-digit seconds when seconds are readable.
2,07
